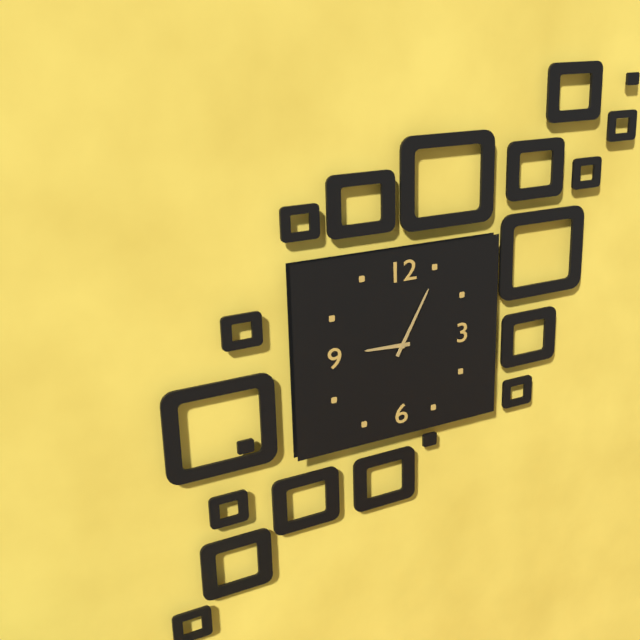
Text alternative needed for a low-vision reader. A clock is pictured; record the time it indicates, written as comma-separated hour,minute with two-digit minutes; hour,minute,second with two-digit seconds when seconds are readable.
9,05
